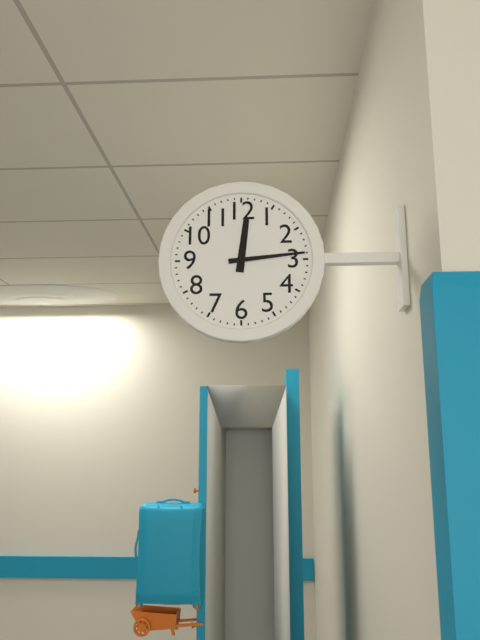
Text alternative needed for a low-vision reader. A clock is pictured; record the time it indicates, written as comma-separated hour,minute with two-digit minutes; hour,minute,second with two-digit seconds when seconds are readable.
12,14
